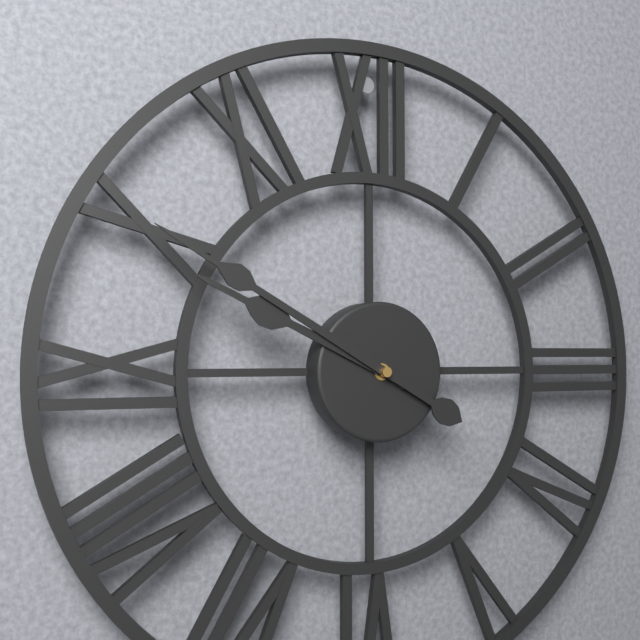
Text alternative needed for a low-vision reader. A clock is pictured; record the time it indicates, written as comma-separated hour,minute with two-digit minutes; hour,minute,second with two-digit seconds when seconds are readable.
9,50
